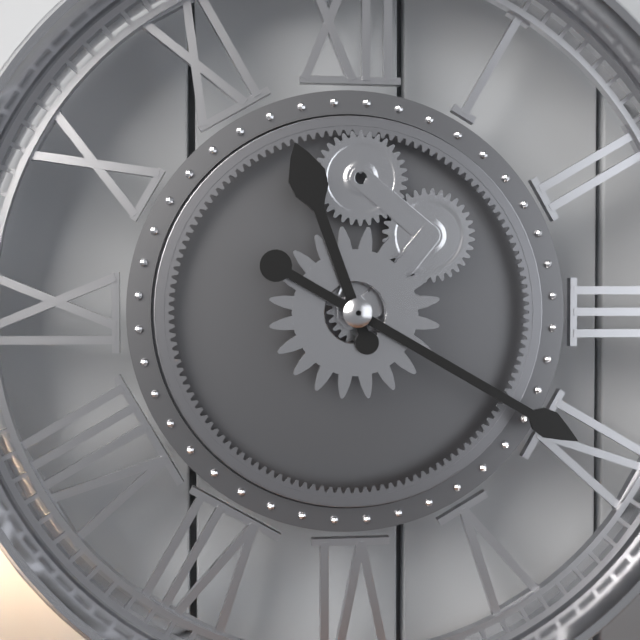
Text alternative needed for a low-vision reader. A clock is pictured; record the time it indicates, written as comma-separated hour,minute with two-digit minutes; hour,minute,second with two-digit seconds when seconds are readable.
11,20
